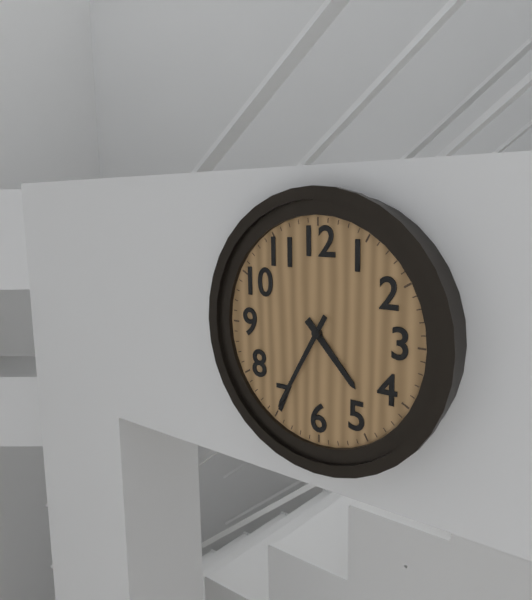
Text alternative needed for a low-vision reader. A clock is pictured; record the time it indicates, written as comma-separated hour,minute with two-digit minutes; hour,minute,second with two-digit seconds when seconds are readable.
4,35
